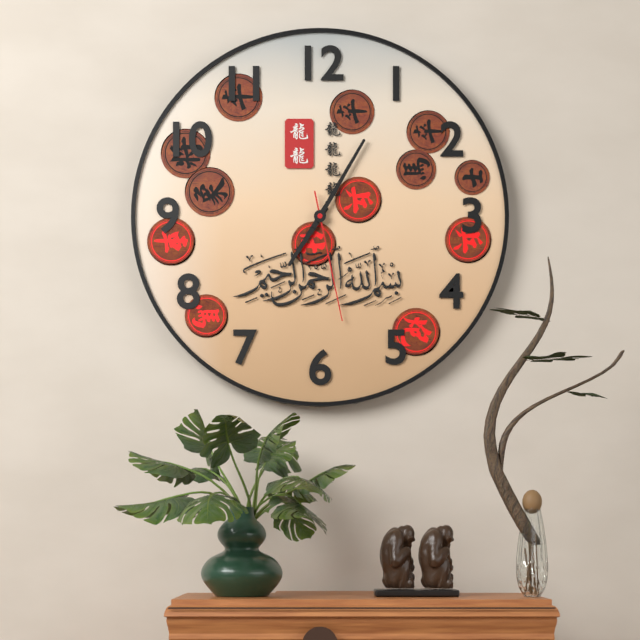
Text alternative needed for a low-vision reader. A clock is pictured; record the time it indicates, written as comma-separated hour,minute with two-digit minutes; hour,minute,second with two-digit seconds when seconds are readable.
7,05,28
